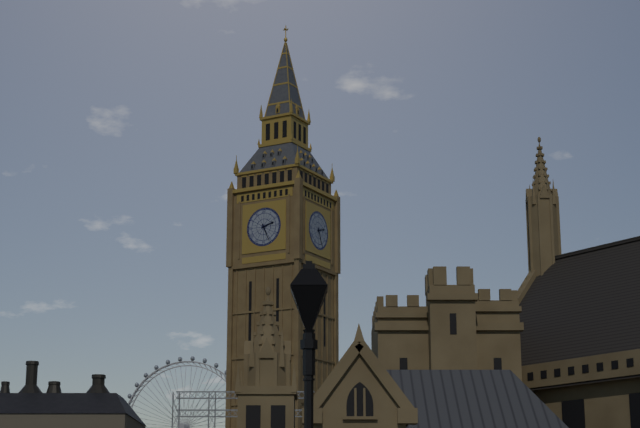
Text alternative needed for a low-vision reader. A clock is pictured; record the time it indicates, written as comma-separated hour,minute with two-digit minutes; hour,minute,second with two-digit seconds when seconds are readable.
2,26
